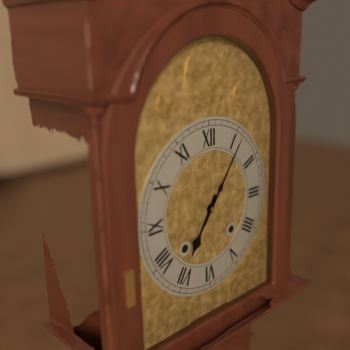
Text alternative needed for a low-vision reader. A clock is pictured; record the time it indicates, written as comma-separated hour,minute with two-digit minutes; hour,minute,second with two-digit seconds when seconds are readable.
7,06
